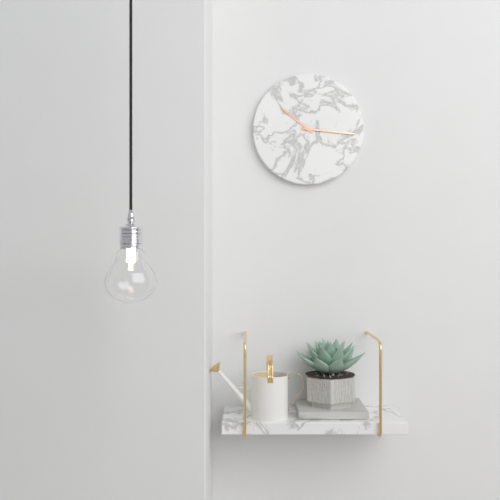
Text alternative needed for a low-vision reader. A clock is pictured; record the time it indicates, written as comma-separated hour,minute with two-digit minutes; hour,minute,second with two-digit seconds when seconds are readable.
10,16
